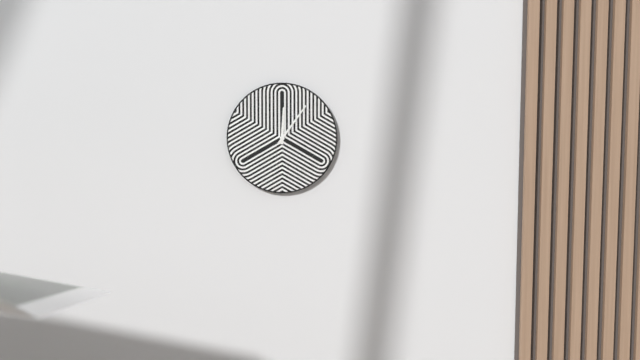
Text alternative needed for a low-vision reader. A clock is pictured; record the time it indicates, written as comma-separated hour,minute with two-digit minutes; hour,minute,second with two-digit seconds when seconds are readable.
12,06
